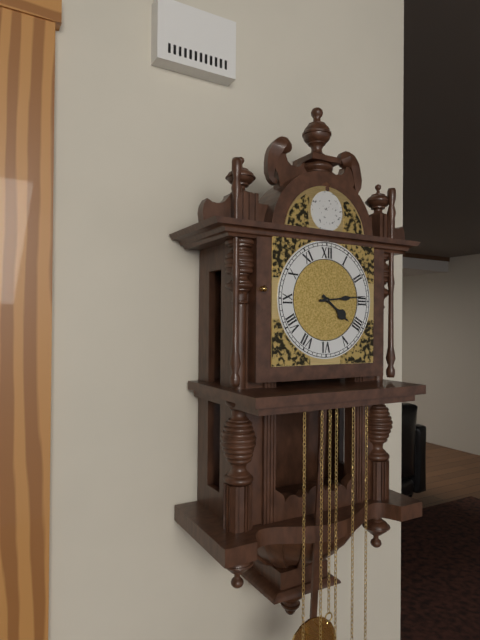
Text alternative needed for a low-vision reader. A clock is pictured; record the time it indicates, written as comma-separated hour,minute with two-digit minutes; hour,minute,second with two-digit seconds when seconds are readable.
4,14
